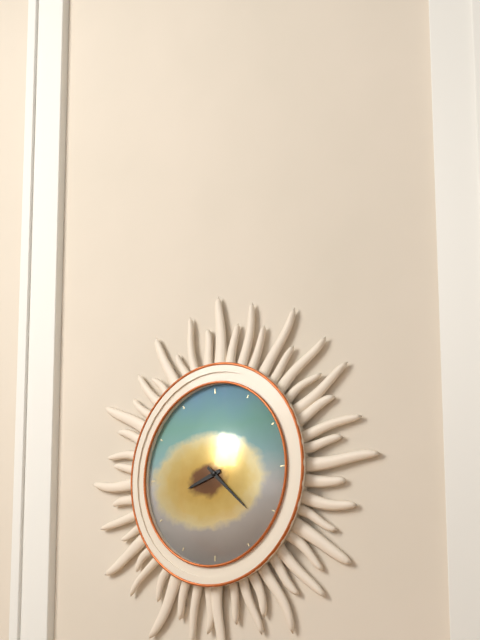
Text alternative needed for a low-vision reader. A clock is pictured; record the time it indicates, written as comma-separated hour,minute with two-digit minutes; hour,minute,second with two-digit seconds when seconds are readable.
8,22
